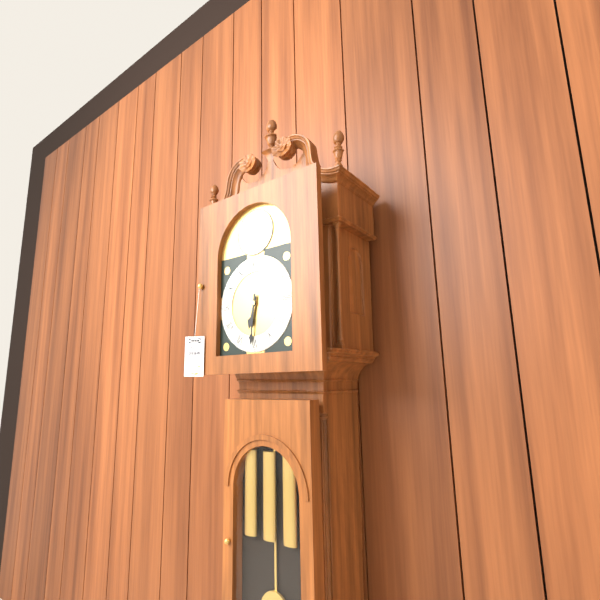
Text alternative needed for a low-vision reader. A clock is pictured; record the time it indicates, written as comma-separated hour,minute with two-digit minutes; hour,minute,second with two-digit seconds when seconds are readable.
6,31
